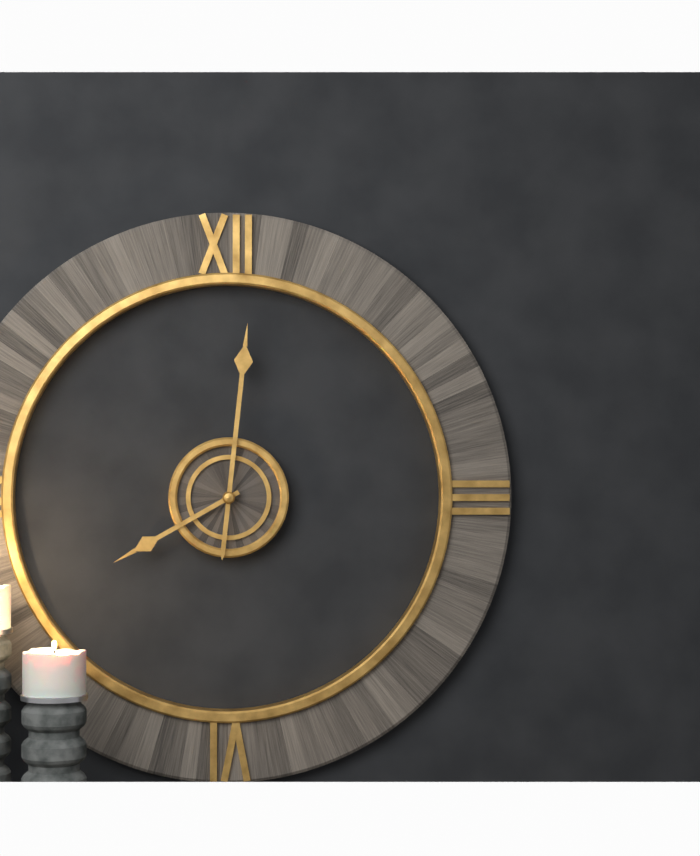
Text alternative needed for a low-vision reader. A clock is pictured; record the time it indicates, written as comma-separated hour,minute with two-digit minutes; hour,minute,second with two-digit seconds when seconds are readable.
8,01
